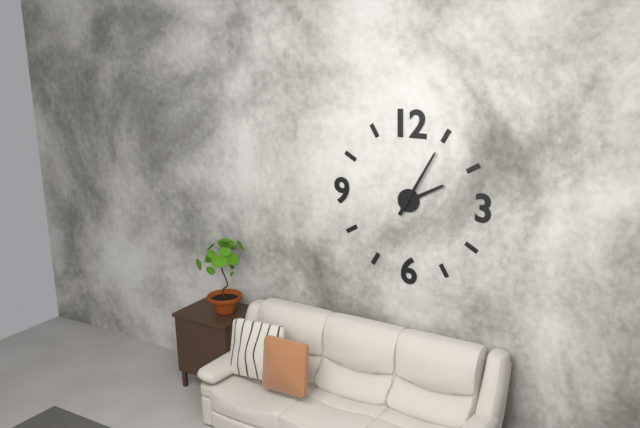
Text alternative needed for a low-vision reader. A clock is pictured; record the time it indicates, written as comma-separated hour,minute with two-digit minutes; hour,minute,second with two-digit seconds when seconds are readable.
2,05
